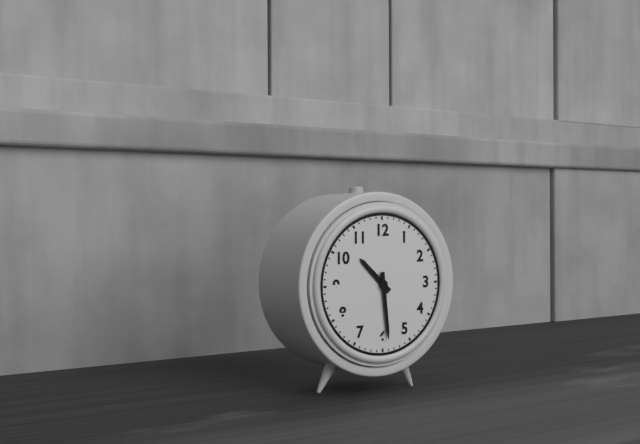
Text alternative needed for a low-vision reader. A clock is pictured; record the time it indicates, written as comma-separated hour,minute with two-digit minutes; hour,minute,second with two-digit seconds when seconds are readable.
10,29
